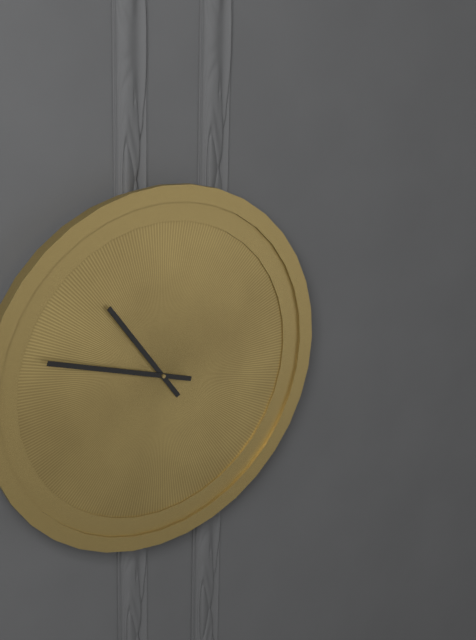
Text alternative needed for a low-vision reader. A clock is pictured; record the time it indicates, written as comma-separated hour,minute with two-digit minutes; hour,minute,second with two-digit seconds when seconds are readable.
10,48
